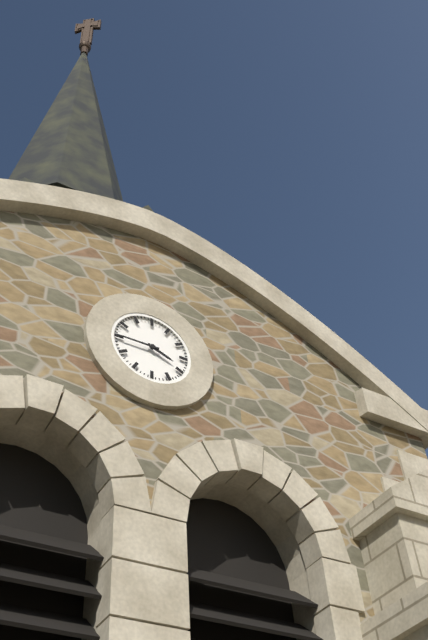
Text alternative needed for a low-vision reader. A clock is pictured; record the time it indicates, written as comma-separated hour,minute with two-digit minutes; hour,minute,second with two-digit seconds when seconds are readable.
3,45
